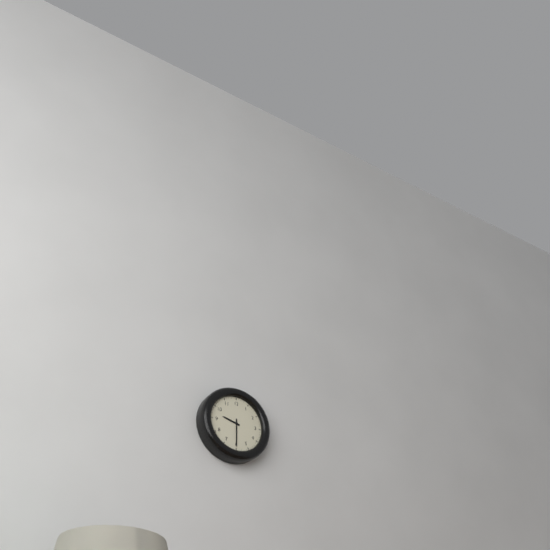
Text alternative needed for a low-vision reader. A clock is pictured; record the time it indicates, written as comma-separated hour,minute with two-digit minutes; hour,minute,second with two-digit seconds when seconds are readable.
9,30
